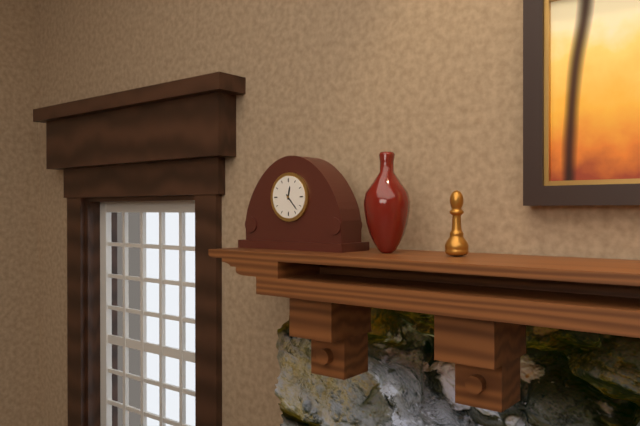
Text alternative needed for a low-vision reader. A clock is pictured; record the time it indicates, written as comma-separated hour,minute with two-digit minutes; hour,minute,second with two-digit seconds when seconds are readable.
12,23
